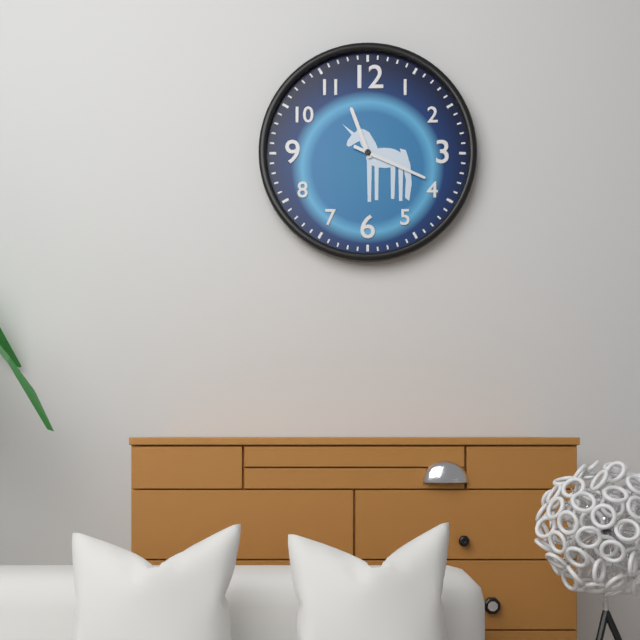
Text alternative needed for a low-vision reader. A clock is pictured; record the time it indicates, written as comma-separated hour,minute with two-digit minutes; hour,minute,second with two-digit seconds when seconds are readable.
11,19
